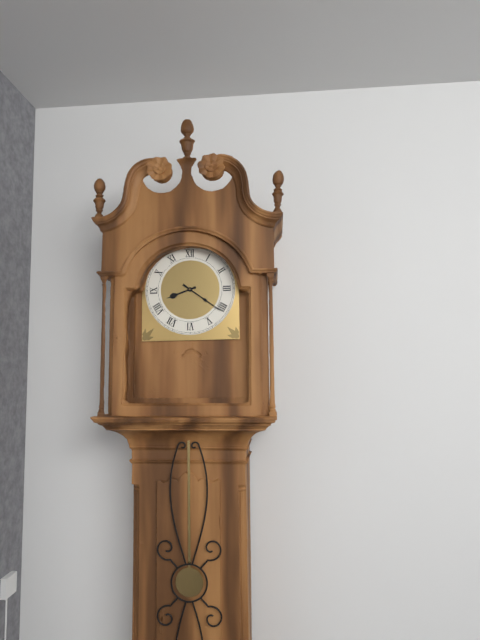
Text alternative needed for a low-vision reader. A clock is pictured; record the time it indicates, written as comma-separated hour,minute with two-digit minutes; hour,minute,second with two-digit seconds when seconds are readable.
8,21
